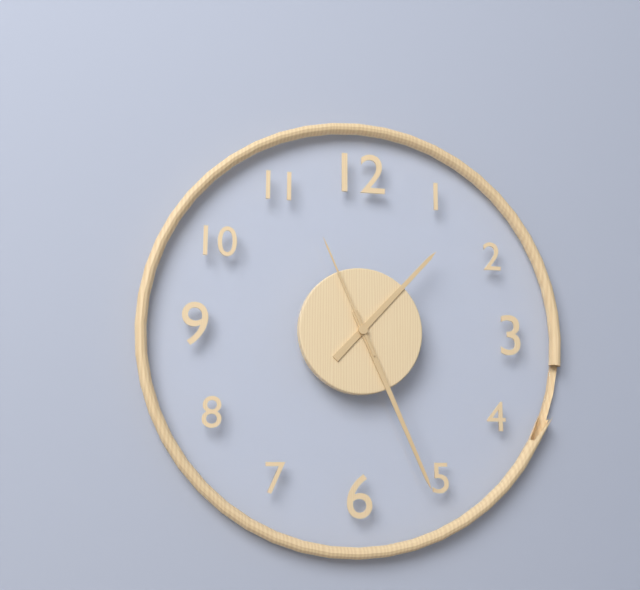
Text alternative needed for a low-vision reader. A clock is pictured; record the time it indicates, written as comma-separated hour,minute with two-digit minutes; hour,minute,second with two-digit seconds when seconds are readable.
1,26,56
